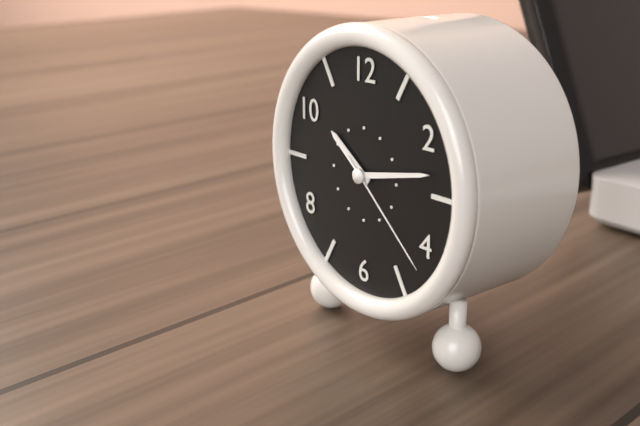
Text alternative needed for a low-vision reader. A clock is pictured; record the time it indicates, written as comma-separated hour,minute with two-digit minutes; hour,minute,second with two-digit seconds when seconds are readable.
10,13,22
